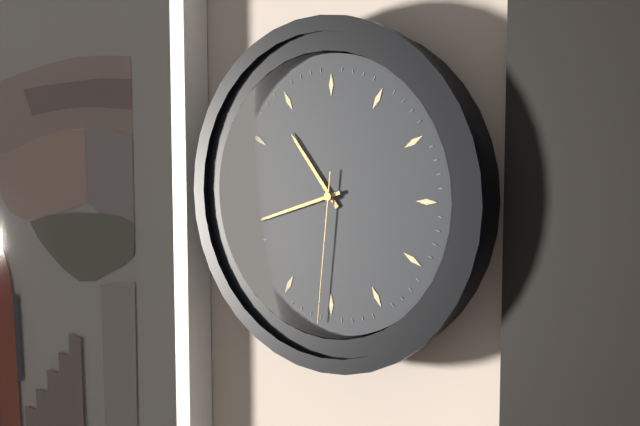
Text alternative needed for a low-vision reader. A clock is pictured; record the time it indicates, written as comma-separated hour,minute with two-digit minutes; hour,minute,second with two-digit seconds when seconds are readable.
10,42,31
